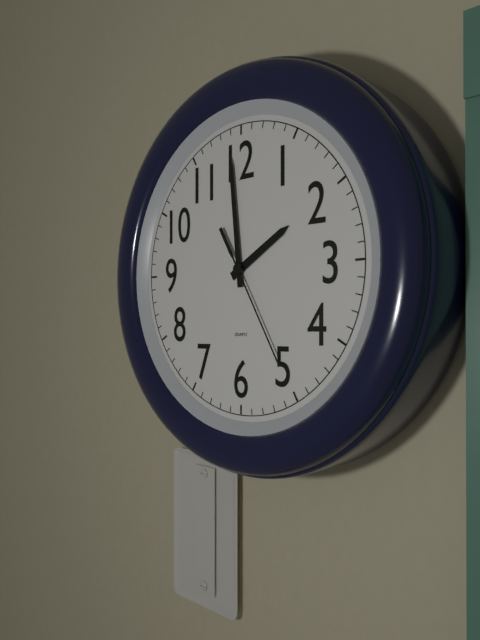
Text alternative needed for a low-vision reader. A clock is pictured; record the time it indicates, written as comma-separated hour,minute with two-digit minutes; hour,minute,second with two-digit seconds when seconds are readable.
1,59,25
